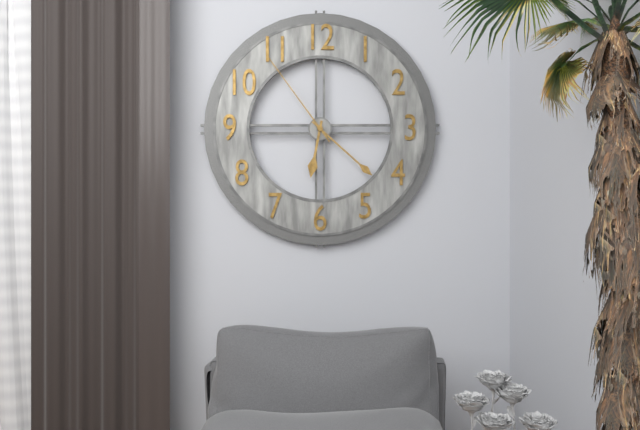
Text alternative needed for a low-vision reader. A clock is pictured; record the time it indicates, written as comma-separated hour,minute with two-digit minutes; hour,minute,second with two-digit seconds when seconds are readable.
6,22,54
